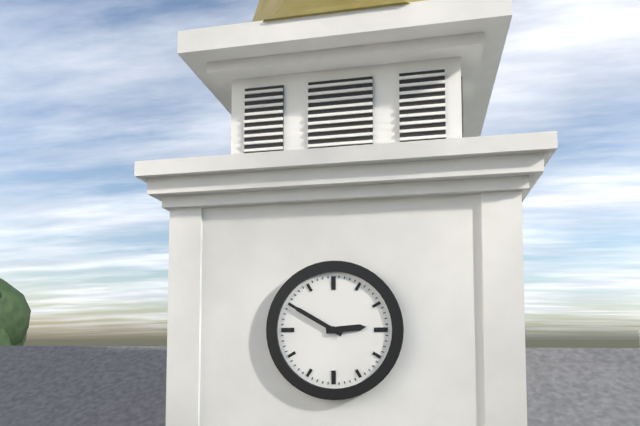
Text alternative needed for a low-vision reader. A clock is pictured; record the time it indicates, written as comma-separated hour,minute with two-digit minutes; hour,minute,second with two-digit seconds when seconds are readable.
2,50
